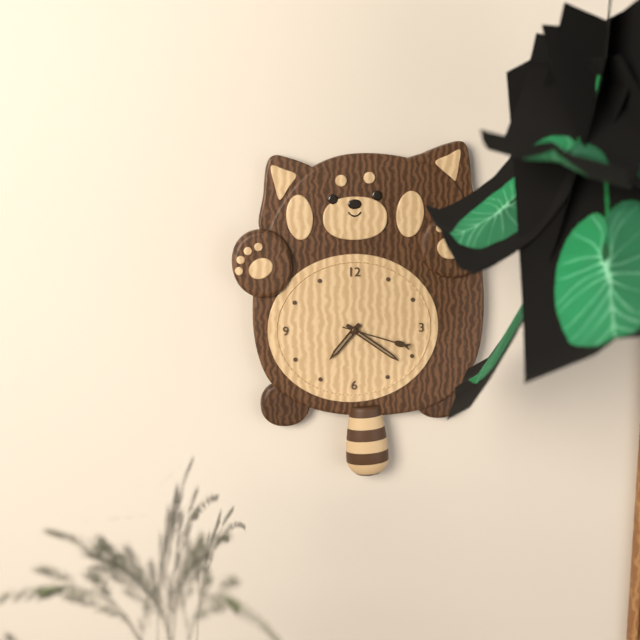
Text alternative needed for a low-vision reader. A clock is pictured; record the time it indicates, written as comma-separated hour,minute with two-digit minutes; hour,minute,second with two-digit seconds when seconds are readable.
7,21,18
